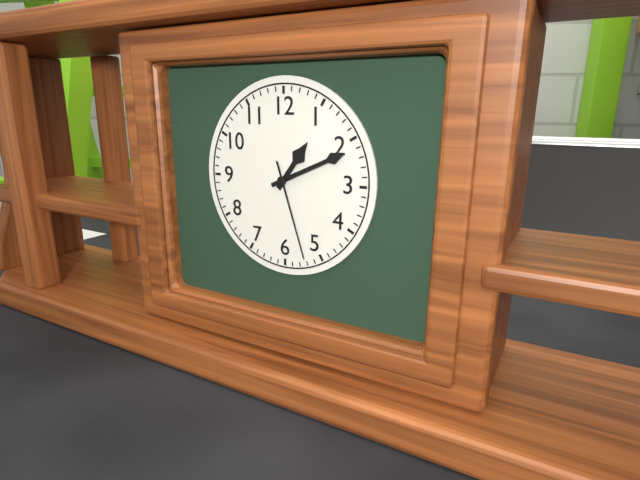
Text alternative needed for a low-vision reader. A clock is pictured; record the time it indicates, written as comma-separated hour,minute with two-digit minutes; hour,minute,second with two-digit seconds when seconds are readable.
1,11,27
